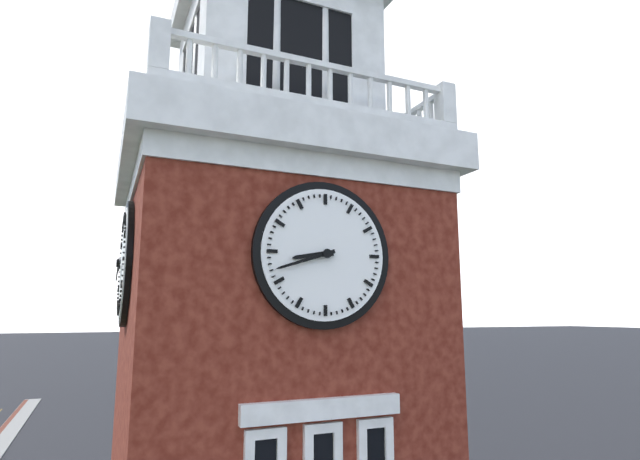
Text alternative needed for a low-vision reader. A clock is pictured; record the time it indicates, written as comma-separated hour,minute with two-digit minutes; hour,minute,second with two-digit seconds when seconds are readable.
8,42
